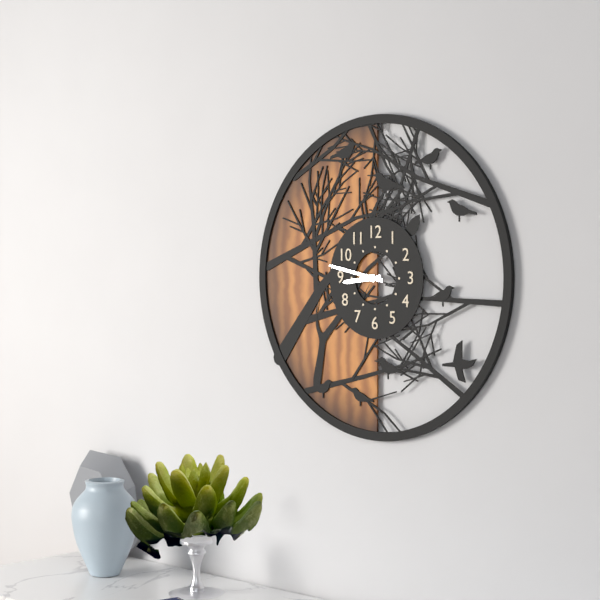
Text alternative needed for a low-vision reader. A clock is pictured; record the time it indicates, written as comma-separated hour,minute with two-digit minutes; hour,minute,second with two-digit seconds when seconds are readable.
8,47
